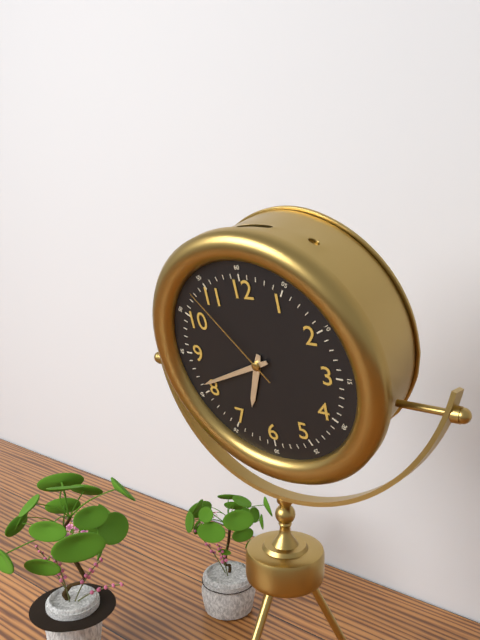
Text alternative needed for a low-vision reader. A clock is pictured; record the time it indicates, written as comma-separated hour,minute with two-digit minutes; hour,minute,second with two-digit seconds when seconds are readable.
6,41,53
